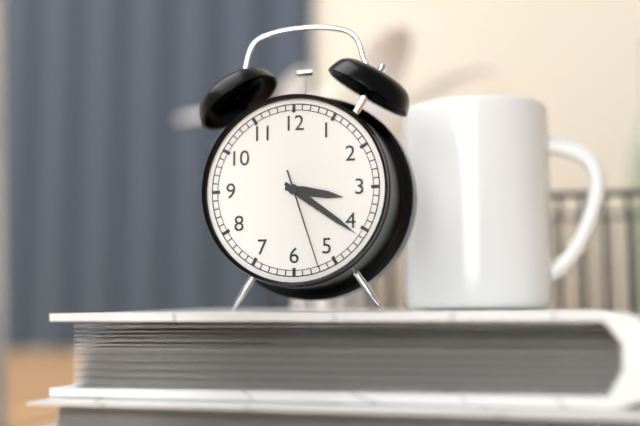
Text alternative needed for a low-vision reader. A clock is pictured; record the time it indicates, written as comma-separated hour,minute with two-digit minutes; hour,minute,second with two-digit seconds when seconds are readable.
3,21,27
